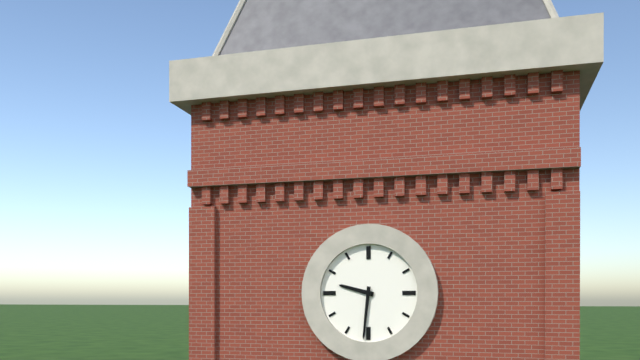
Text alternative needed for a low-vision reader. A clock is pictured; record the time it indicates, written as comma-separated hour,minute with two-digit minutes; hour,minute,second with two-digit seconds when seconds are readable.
9,31
